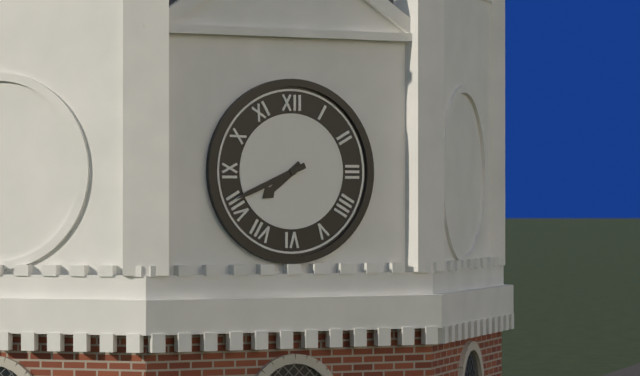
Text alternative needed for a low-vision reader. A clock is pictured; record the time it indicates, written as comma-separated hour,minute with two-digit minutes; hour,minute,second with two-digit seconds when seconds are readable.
7,41
